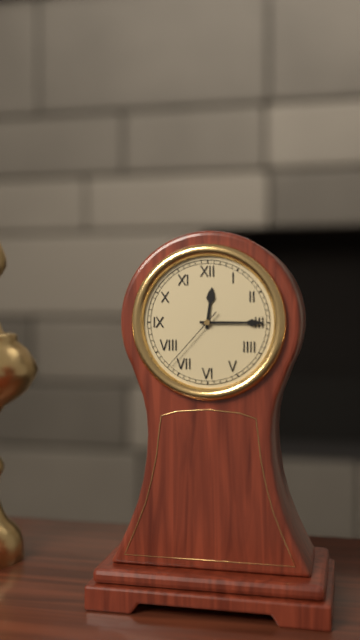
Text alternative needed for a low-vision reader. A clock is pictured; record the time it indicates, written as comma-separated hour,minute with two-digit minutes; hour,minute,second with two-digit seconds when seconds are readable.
12,15,37
